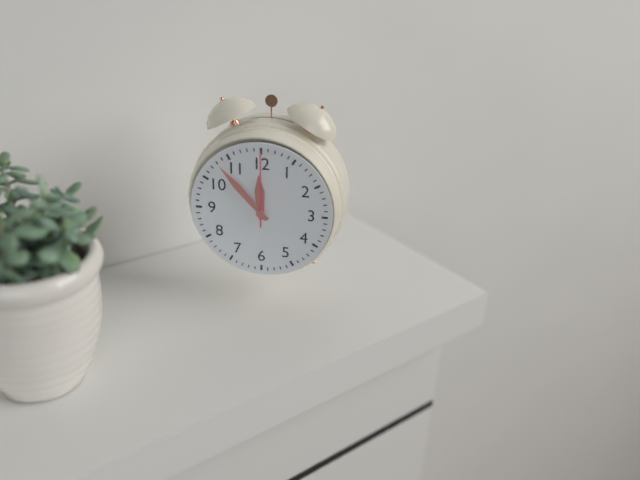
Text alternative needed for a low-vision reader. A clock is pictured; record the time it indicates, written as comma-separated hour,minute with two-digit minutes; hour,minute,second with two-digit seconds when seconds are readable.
11,53,00
